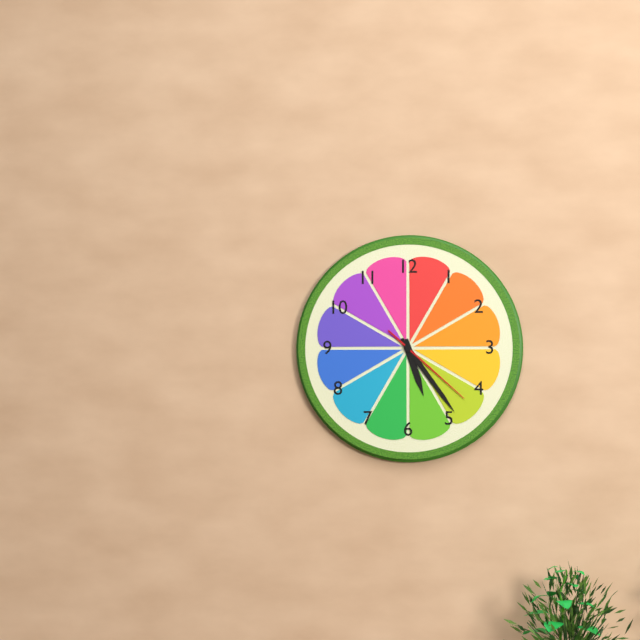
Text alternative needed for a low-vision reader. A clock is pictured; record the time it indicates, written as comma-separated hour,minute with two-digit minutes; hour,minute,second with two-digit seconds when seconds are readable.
5,24,22
